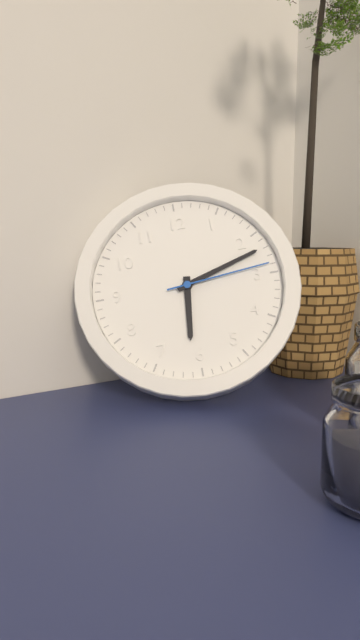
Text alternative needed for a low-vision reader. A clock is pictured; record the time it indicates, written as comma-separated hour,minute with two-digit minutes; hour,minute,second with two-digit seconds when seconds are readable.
6,12,14
